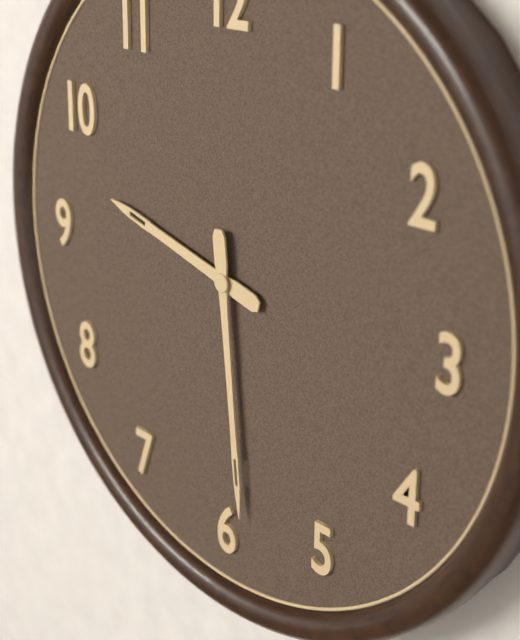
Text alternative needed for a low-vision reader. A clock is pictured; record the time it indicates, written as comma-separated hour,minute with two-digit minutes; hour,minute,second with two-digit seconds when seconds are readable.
9,29
